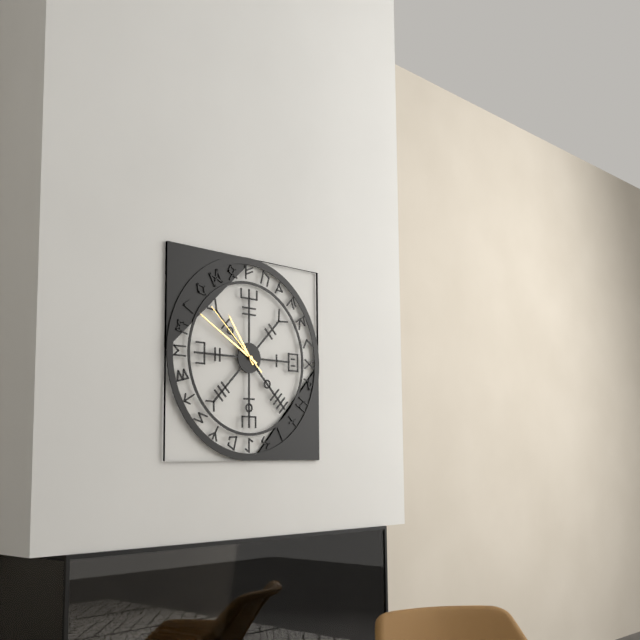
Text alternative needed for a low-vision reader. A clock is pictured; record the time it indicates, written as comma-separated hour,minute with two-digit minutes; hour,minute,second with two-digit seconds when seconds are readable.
10,50,52
